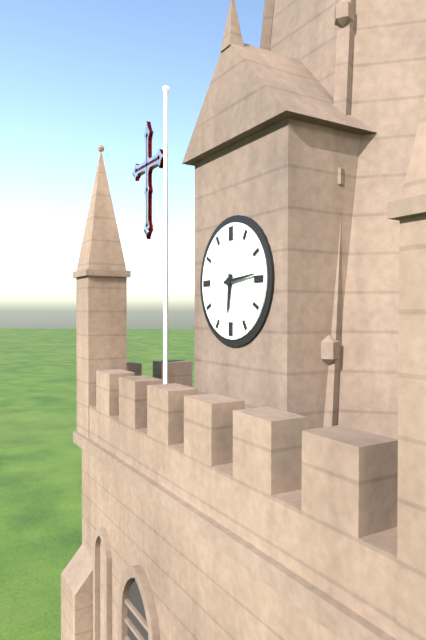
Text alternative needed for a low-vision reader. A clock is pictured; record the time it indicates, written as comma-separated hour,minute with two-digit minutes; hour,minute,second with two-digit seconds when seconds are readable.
6,14
